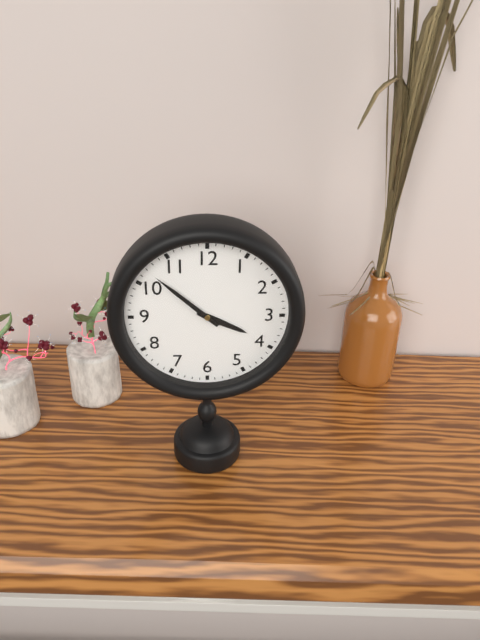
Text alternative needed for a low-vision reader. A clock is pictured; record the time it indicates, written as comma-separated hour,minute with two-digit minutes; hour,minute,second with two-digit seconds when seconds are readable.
3,52
